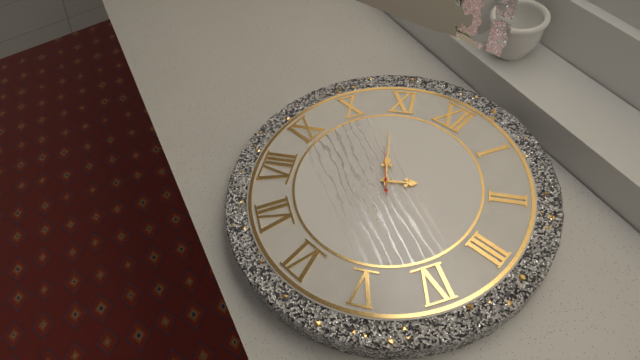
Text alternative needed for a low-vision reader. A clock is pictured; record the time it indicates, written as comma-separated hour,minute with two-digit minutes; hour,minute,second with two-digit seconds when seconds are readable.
1,54
